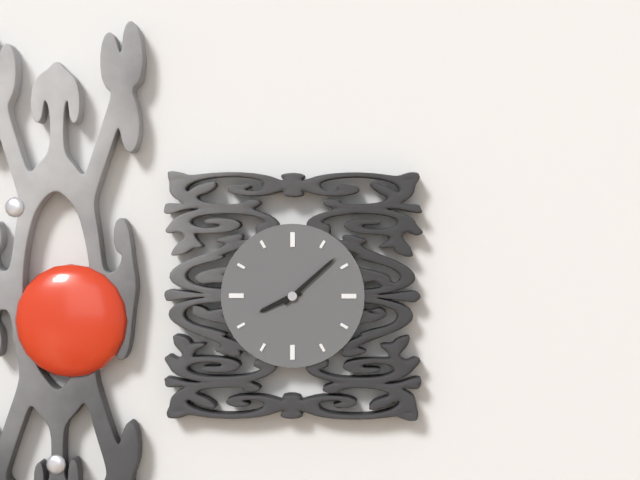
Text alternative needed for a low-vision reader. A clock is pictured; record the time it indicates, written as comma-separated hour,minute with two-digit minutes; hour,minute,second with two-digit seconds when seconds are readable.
8,08
